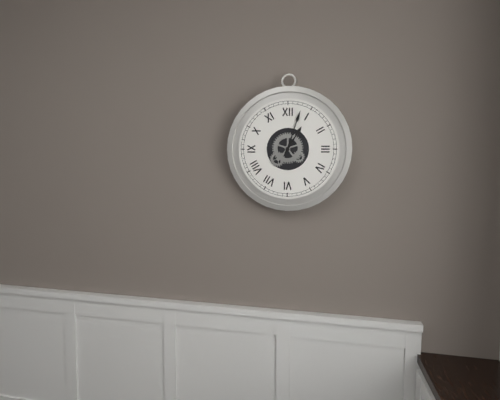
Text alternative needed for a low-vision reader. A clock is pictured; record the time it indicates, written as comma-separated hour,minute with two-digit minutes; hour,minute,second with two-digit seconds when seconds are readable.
1,03
